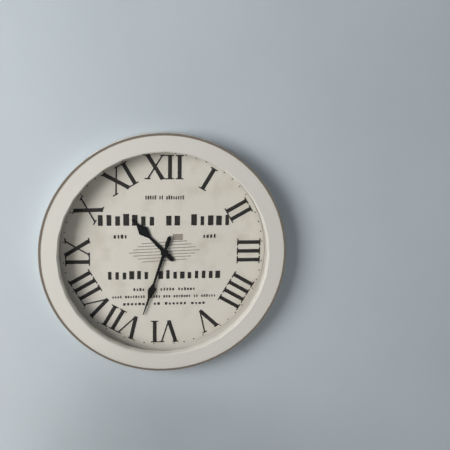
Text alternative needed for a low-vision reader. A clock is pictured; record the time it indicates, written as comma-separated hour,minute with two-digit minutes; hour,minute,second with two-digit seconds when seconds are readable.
10,33
